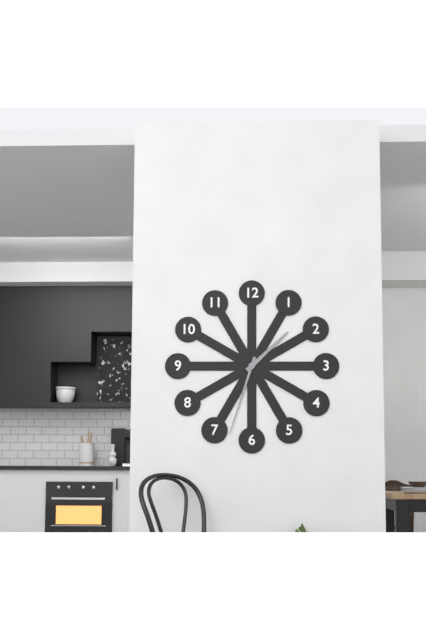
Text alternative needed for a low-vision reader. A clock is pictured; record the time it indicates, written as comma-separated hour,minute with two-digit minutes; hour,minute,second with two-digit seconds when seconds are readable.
1,33
